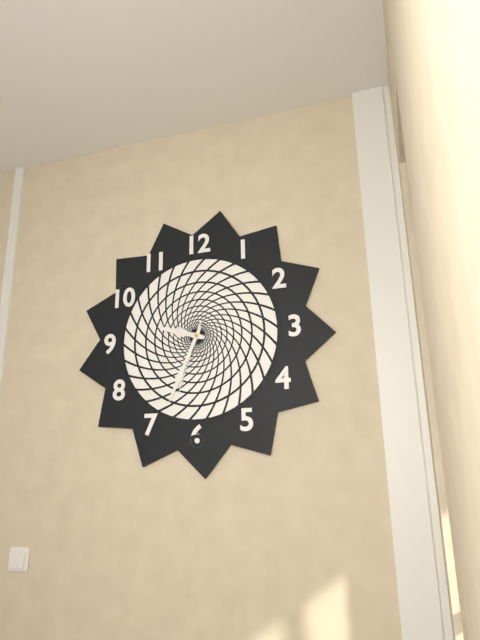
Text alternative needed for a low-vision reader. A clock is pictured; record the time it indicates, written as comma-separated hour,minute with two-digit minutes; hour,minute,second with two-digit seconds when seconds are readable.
9,34,33
